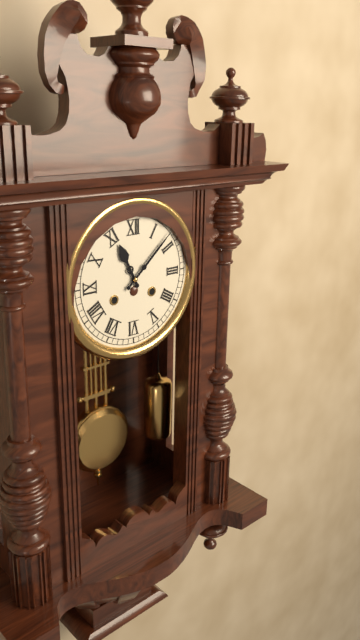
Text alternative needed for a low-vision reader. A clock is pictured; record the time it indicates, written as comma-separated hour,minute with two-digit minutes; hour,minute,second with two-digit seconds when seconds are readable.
11,08
